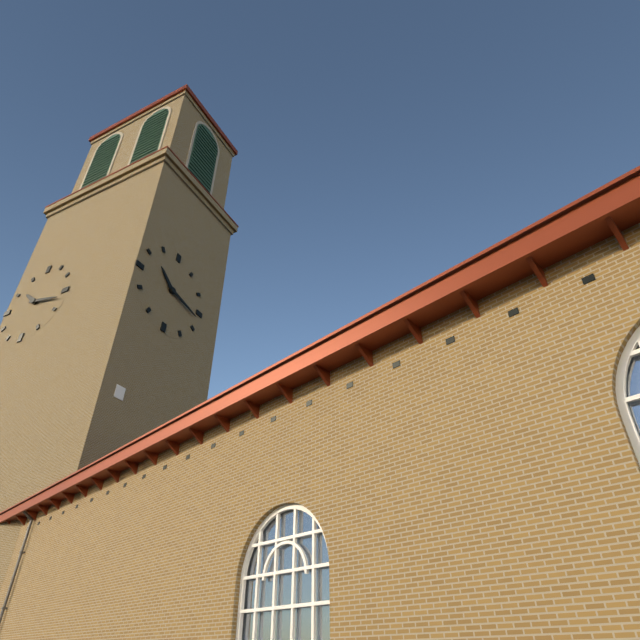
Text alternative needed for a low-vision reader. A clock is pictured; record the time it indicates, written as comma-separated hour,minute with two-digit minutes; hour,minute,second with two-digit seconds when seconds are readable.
10,17
